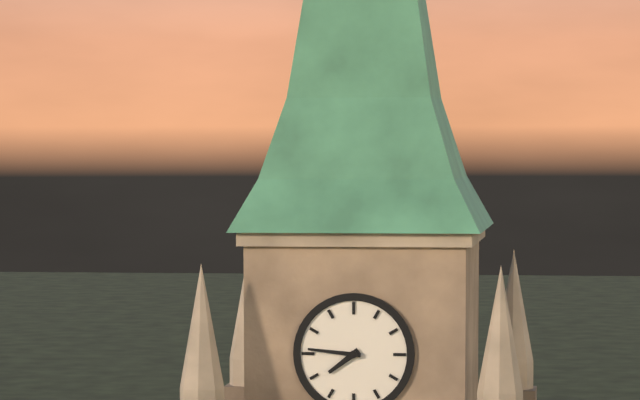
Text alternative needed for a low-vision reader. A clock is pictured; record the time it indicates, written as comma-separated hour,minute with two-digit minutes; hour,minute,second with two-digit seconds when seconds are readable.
7,46
